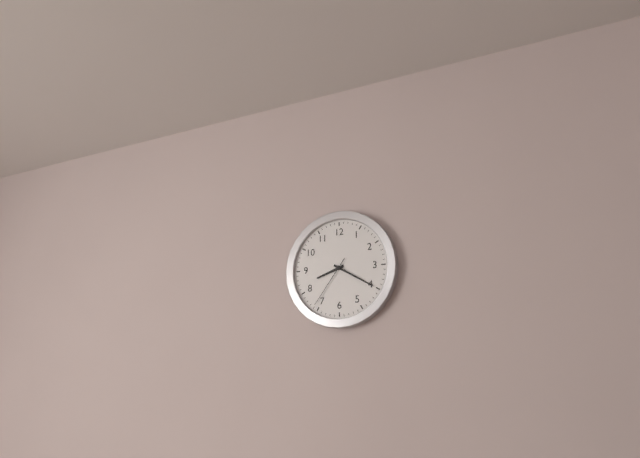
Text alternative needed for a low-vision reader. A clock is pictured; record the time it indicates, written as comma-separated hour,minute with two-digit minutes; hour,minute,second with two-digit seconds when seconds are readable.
8,20,36
